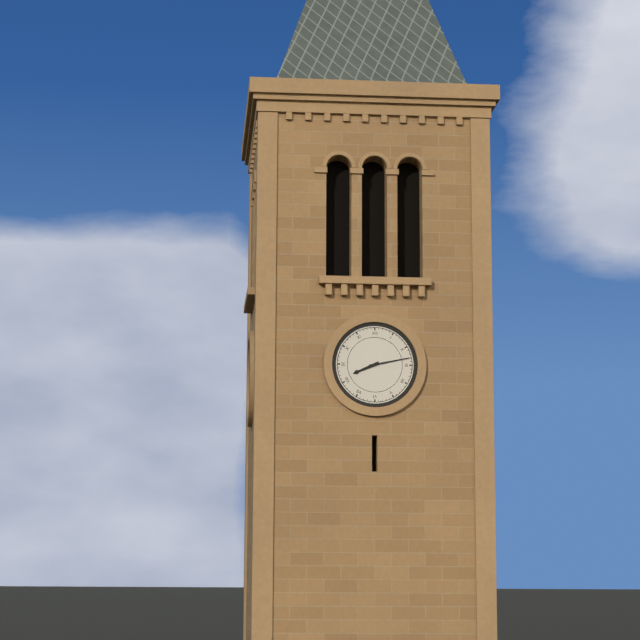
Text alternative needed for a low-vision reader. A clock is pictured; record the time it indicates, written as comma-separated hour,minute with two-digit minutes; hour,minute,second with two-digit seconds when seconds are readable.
8,13
